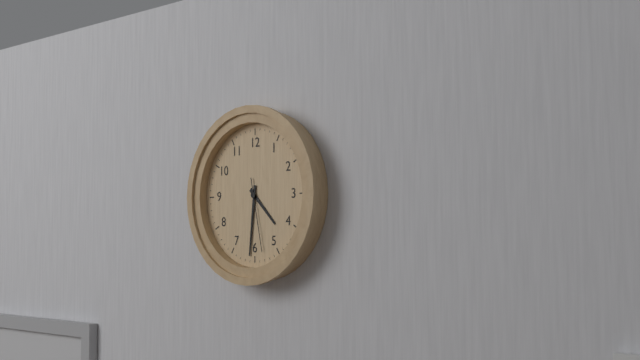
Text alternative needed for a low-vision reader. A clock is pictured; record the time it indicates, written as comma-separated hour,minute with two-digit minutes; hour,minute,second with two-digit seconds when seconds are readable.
4,31,28
